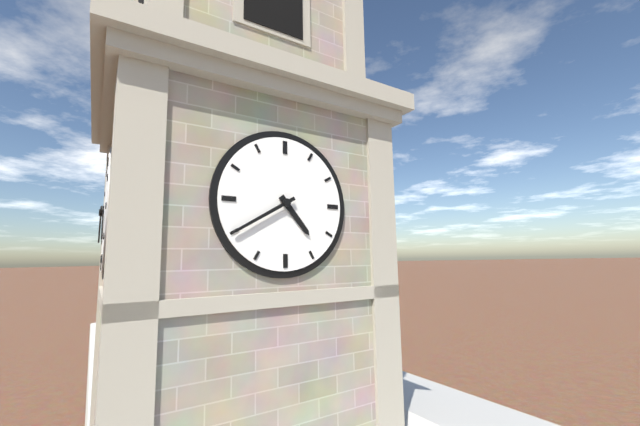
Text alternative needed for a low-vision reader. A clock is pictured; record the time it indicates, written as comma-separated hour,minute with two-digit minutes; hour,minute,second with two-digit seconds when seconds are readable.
4,40
